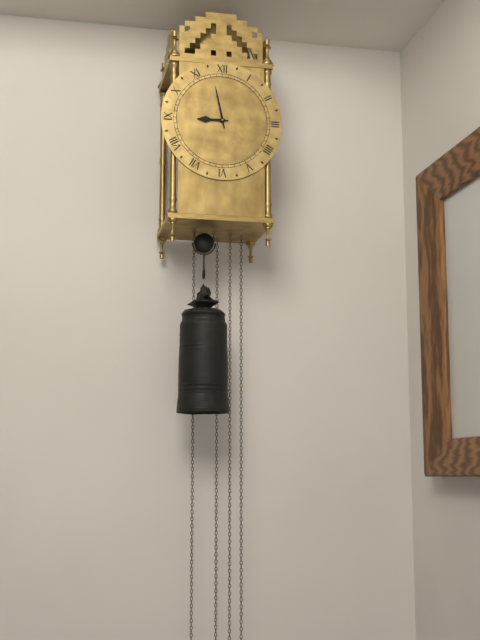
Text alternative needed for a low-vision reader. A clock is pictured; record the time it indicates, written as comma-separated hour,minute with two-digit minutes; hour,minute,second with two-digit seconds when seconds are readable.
8,58
